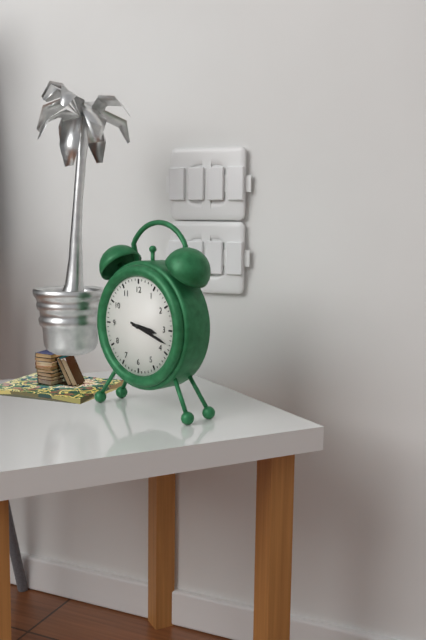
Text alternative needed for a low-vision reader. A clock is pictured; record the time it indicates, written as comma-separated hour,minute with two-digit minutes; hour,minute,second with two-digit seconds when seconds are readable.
3,18
